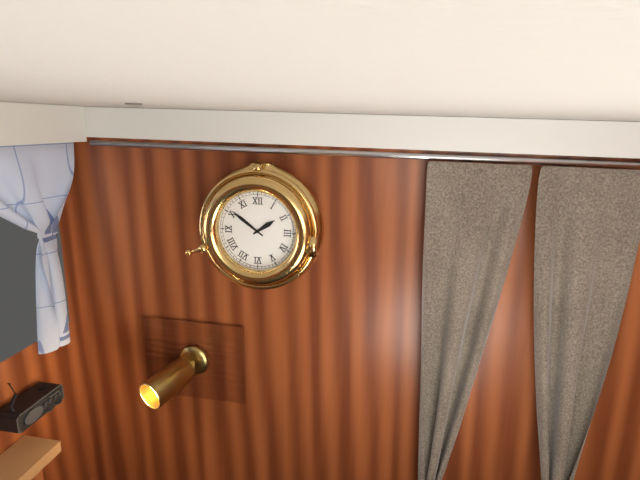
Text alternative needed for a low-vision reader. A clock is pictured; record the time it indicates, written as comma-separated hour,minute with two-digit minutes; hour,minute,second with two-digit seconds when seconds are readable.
1,51
